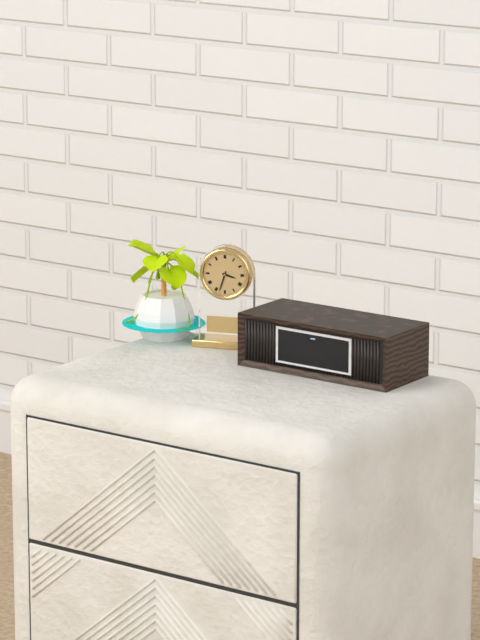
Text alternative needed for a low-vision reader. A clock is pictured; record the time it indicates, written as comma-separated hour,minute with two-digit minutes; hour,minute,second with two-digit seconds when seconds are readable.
3,33
